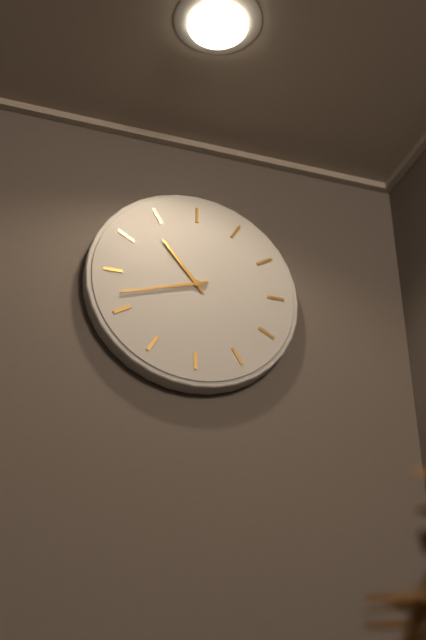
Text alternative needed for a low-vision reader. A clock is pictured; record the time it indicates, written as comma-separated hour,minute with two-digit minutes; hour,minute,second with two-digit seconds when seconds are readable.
10,42
